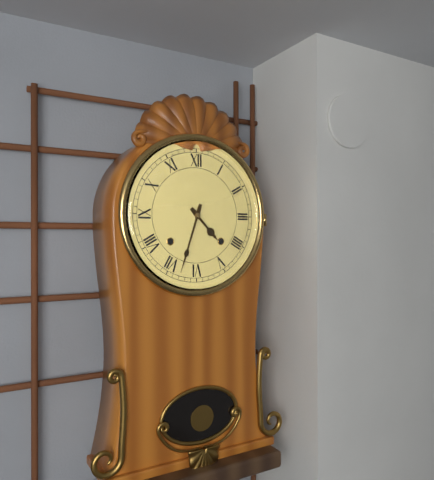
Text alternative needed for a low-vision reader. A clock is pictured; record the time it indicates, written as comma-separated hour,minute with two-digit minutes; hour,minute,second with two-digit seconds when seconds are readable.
4,33
